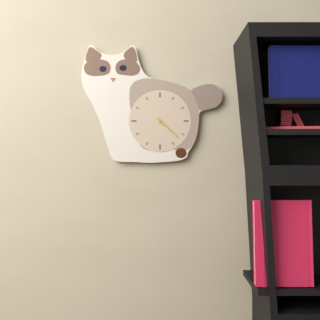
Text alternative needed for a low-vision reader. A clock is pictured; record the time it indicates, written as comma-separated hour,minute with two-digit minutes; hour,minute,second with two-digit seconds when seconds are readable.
4,22
